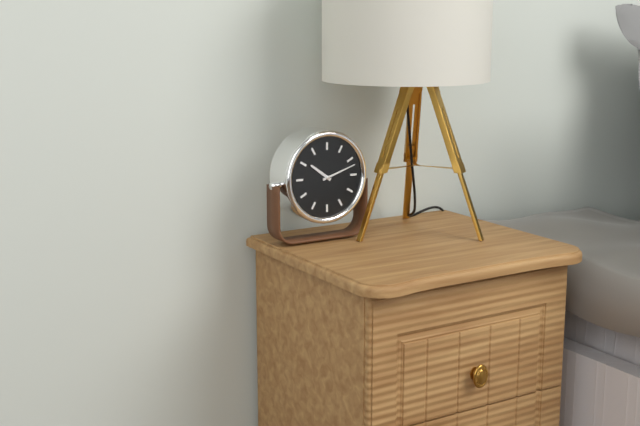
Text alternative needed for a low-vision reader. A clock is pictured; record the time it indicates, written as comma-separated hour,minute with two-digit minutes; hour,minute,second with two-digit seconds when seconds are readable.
10,12
